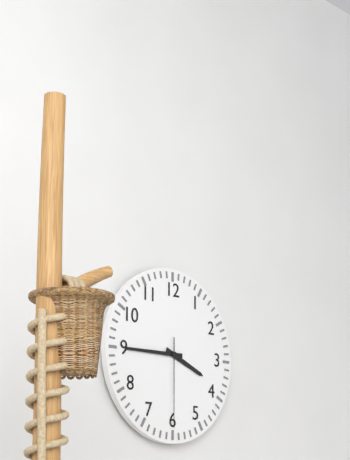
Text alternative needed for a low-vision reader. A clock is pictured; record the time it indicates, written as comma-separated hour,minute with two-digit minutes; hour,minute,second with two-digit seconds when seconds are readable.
3,45,30
